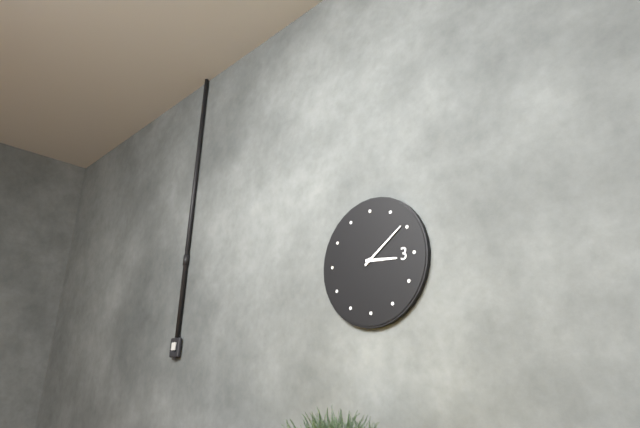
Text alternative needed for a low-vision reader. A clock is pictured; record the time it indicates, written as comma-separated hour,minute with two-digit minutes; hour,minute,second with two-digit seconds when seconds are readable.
3,09
